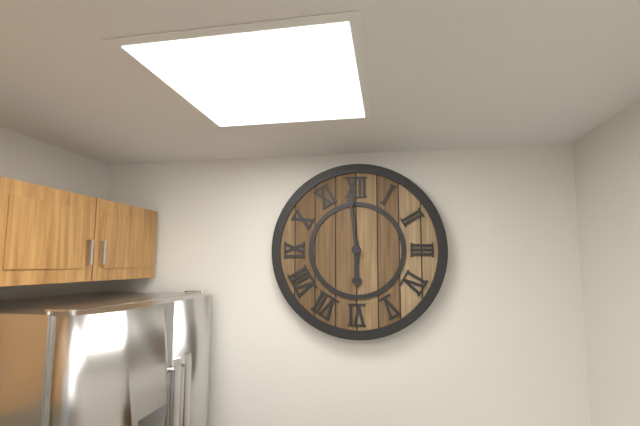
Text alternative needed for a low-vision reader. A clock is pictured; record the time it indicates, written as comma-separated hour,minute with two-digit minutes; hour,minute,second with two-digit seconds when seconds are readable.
5,59
